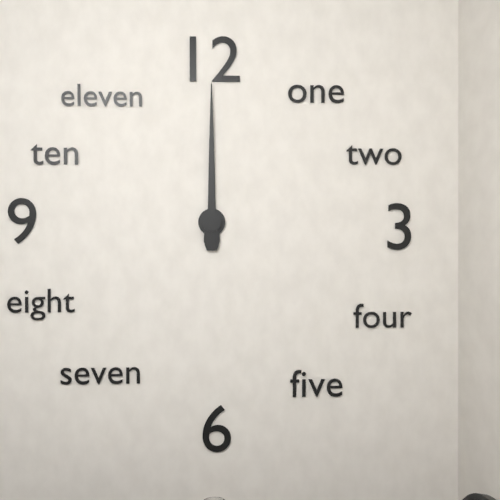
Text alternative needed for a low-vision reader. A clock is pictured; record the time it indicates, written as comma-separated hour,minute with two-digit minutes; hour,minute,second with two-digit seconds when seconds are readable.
12,00
